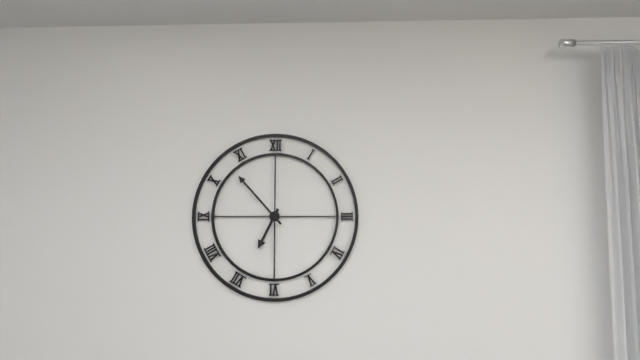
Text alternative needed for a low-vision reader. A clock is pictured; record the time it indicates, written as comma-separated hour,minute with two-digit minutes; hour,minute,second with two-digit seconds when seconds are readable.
6,53
